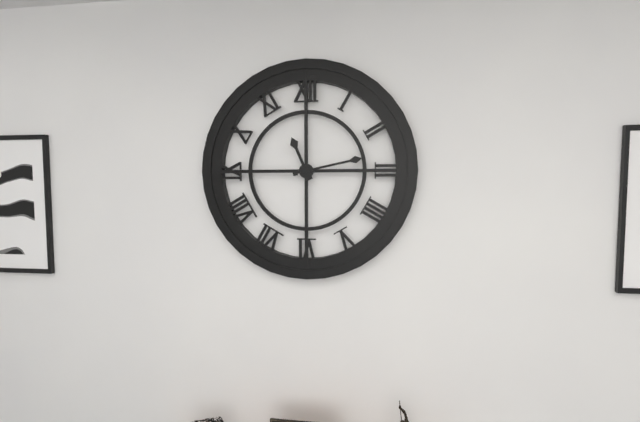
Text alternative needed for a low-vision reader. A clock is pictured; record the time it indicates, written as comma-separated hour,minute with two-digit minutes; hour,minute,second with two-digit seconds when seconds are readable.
11,13
